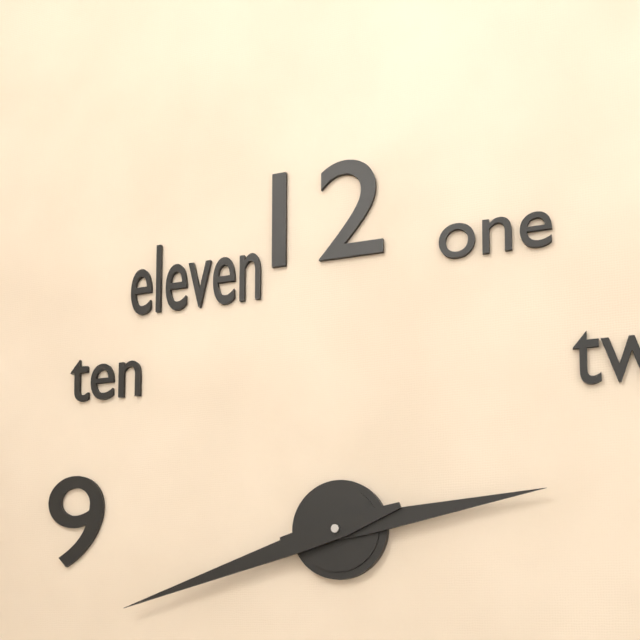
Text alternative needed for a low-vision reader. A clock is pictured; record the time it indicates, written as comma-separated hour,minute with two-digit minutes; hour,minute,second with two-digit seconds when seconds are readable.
2,42
